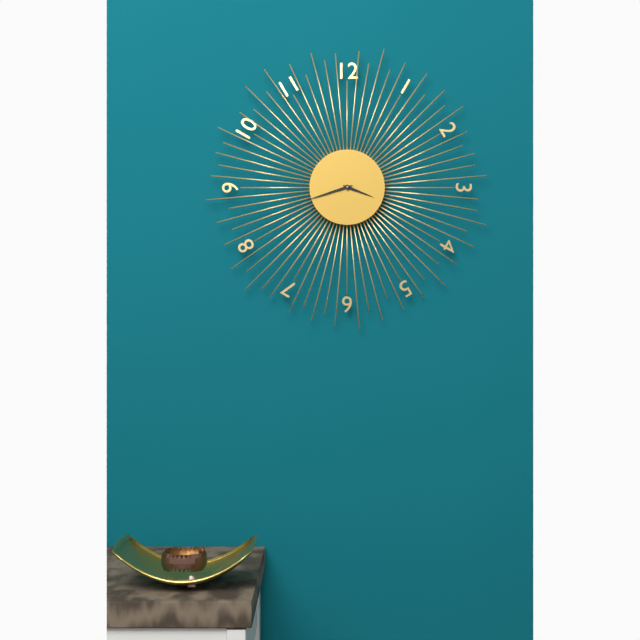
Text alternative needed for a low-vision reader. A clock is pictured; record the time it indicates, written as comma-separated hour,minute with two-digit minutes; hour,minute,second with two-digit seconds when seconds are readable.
3,42
